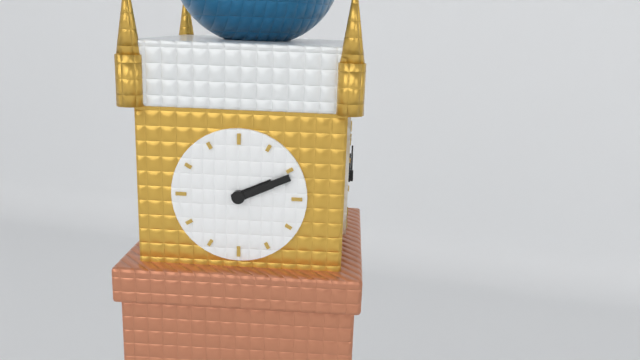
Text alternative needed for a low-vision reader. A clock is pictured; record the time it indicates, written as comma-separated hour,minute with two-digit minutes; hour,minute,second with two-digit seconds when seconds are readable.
2,11
